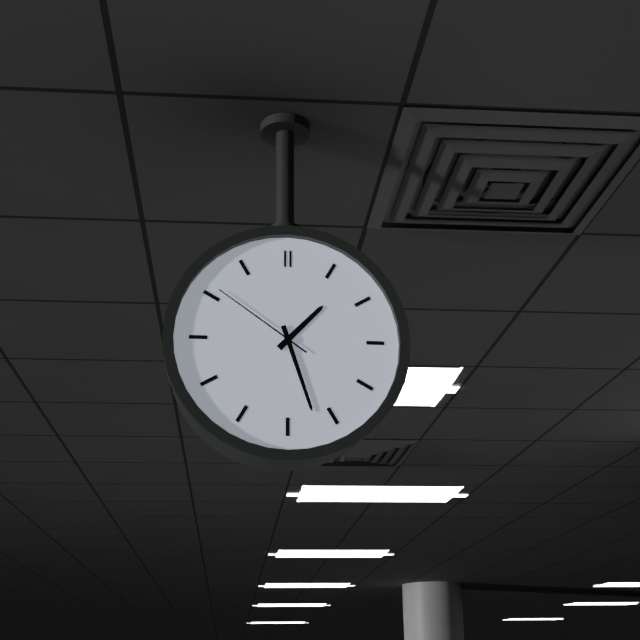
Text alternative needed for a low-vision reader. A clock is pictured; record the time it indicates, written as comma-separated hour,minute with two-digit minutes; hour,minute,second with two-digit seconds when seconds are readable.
1,27,51
